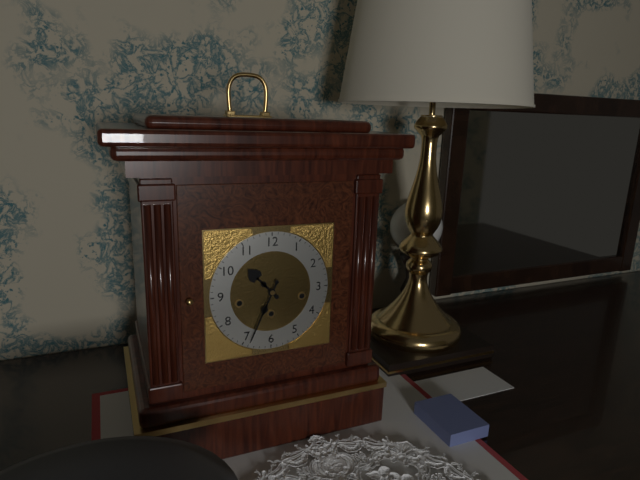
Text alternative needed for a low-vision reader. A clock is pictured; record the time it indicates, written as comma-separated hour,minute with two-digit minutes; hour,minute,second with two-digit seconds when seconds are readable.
10,34
